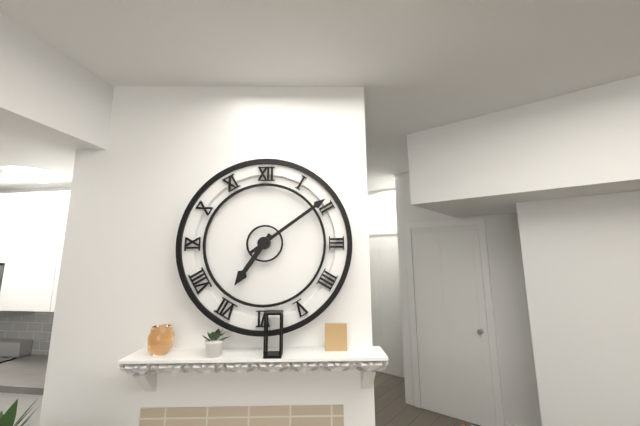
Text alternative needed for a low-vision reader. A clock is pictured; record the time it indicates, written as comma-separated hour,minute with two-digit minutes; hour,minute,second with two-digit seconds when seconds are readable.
7,09
